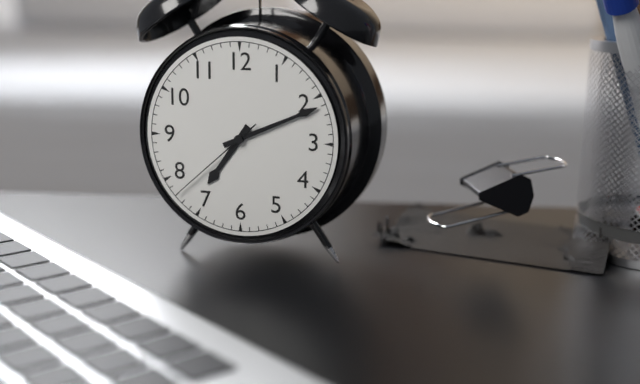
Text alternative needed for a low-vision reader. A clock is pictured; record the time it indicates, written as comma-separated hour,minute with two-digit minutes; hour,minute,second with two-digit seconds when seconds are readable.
7,11,38
